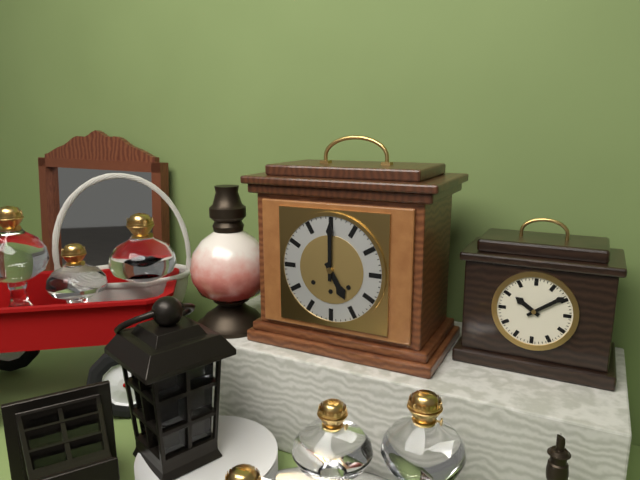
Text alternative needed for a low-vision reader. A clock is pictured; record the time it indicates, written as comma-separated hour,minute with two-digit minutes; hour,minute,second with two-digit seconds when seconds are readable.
5,00
